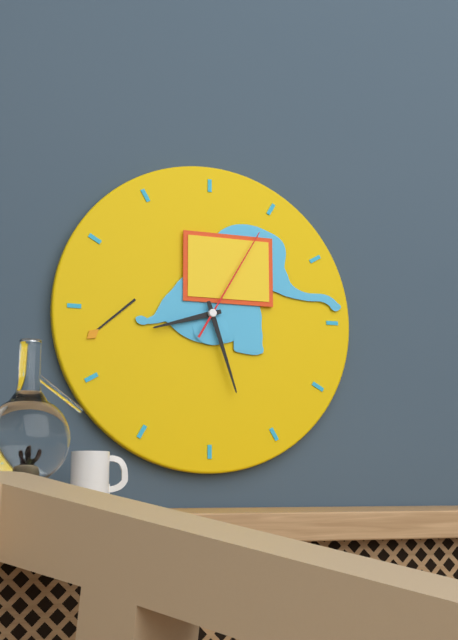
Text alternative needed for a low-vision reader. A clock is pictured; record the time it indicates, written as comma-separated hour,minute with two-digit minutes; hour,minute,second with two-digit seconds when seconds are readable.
8,27,05
